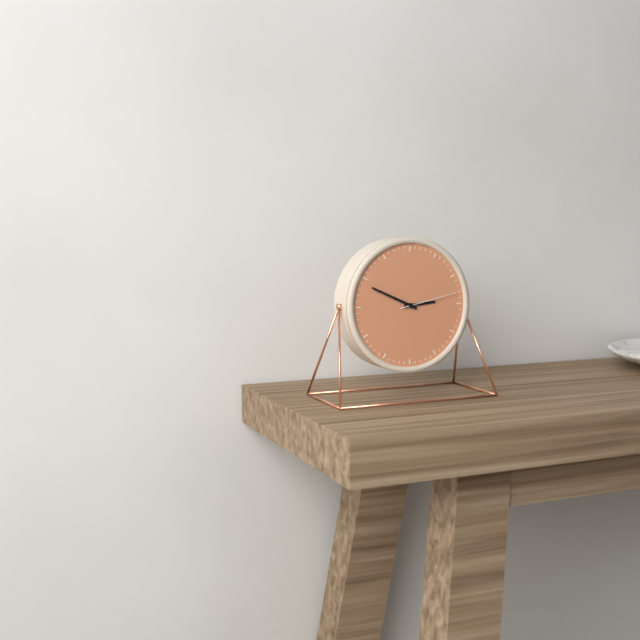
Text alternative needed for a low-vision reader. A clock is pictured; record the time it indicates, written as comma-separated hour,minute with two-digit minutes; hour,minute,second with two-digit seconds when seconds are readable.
2,49,13
